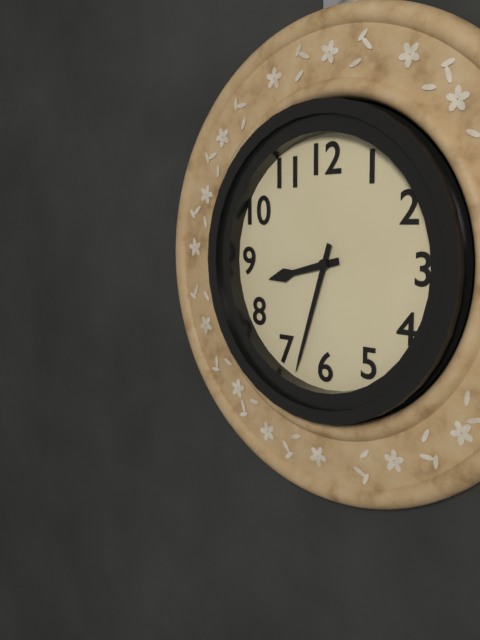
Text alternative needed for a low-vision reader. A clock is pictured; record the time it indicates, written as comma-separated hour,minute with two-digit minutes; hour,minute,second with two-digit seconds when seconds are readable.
8,33
